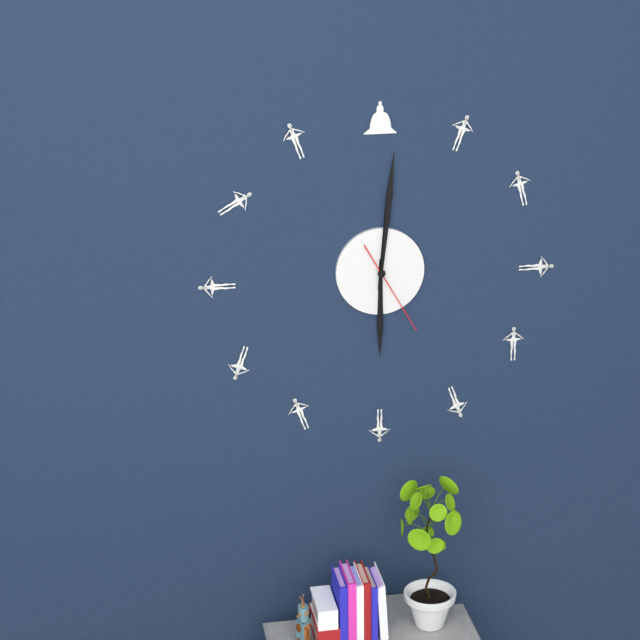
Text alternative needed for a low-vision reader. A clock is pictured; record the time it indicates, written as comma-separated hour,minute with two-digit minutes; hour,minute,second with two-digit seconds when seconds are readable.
6,01,25
